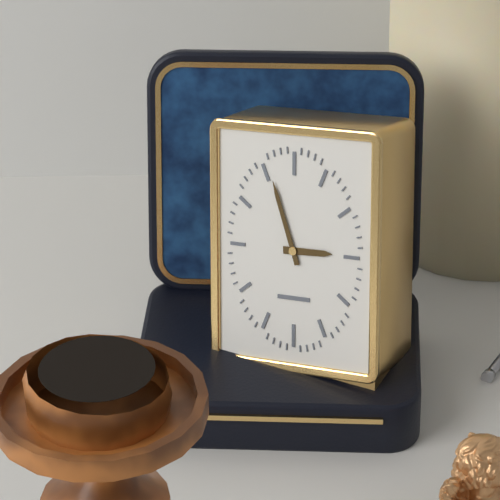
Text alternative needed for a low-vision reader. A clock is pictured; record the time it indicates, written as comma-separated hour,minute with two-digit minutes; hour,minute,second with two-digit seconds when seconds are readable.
2,57
